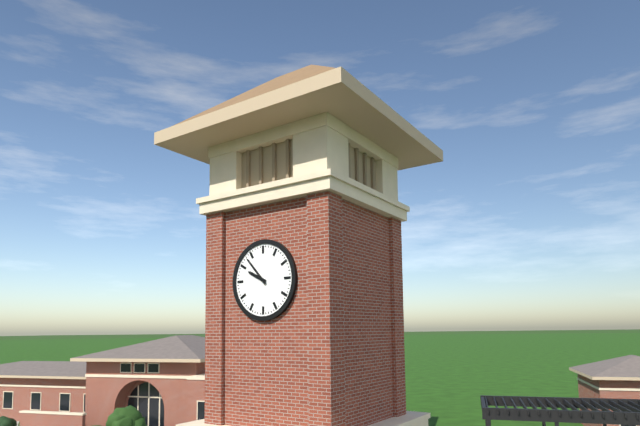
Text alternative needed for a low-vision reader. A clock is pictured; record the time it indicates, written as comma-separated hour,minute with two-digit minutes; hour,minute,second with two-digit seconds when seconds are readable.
9,53
